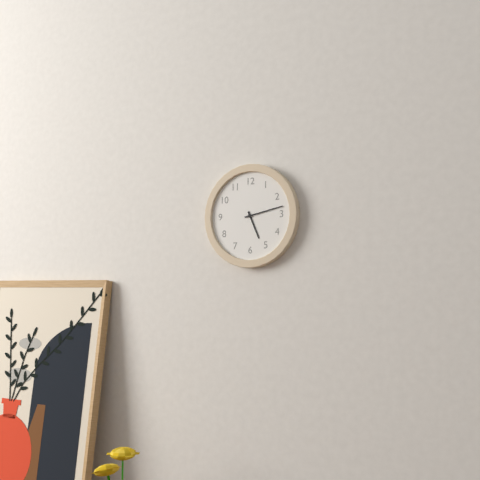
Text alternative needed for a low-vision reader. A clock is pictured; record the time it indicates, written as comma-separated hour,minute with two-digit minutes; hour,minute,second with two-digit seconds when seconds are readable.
5,13
